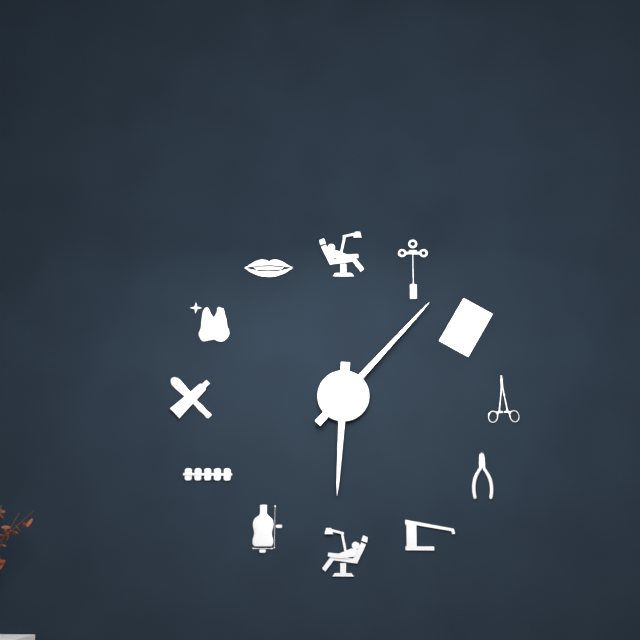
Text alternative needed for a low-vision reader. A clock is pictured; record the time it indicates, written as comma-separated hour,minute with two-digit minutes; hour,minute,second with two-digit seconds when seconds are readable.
6,07
